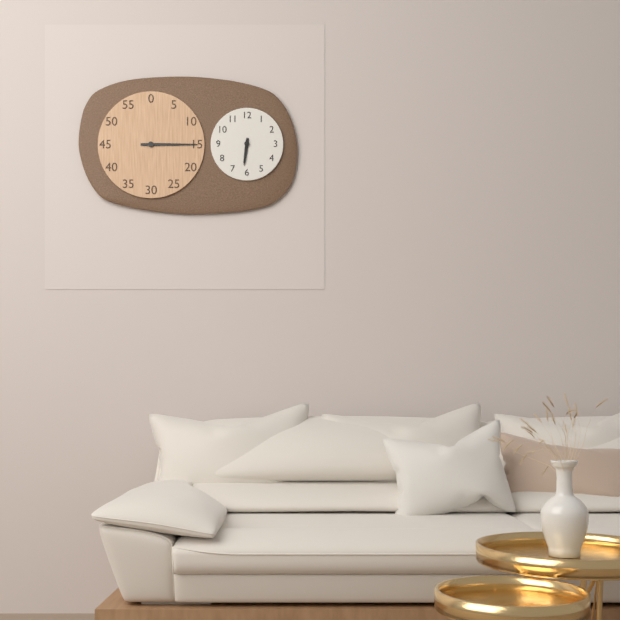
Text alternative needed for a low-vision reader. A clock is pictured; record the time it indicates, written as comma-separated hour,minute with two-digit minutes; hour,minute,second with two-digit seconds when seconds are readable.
6,15
